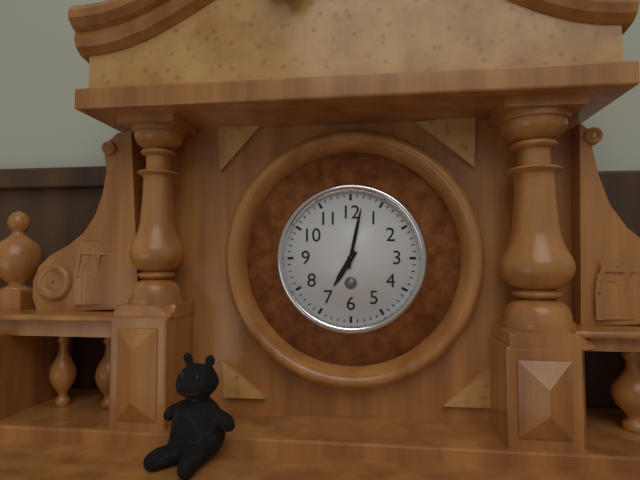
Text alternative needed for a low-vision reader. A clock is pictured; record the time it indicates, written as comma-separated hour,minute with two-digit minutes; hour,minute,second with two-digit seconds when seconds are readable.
7,02
